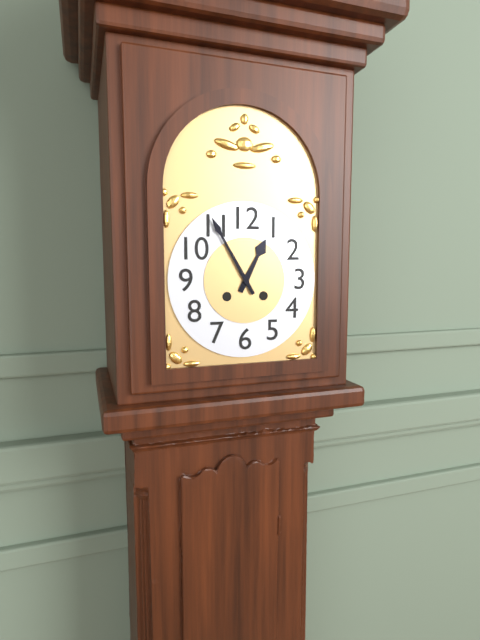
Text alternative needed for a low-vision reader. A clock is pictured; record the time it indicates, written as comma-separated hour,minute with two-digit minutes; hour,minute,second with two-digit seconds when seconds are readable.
12,55
